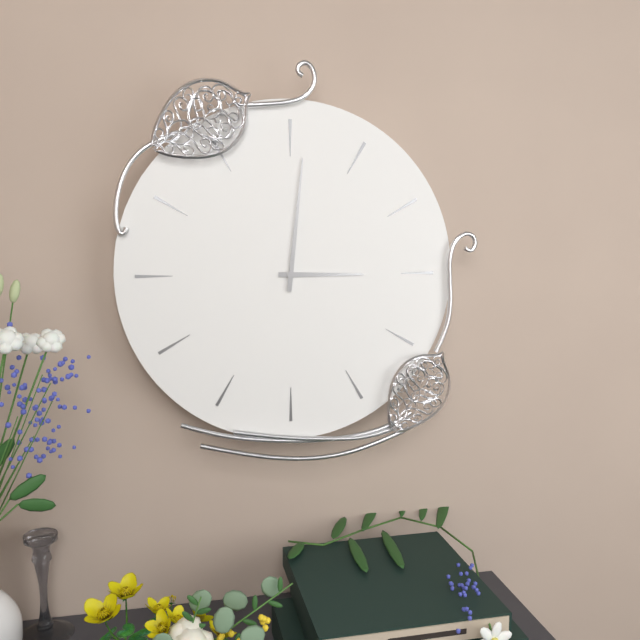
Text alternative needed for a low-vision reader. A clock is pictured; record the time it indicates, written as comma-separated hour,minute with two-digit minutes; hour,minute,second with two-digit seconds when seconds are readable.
3,01
